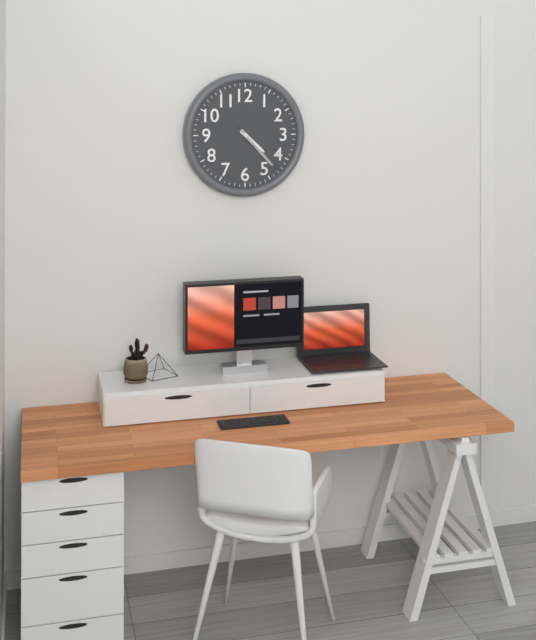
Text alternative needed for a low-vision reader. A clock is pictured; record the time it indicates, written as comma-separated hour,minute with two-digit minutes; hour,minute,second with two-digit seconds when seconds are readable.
4,23,23
